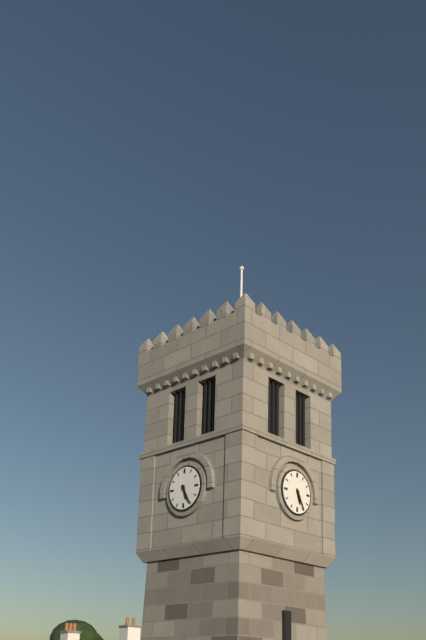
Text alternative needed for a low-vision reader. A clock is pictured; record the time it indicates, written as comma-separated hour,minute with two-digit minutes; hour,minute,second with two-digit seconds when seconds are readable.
5,25
